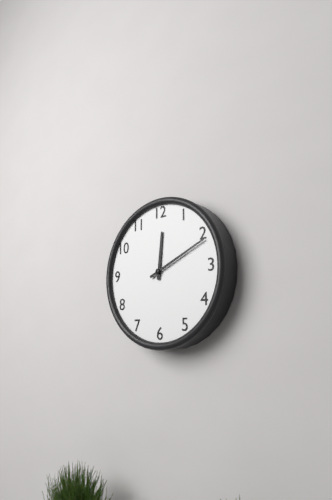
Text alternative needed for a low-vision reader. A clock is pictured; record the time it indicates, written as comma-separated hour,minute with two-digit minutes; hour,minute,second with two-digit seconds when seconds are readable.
12,11
